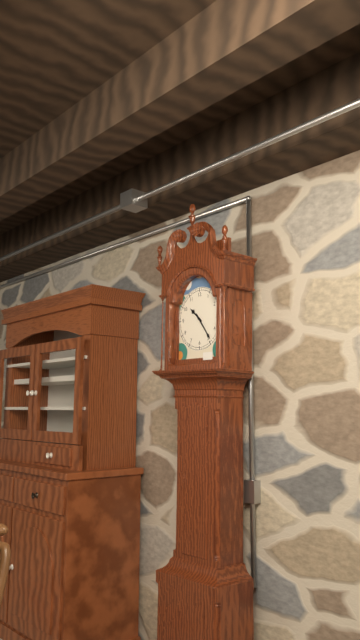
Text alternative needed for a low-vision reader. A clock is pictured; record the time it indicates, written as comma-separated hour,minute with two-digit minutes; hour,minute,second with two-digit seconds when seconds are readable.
10,24
